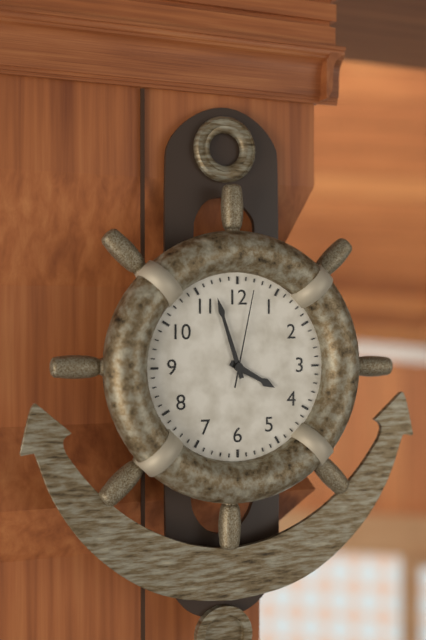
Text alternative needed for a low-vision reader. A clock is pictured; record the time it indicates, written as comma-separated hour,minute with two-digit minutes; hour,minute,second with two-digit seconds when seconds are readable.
3,57,02
